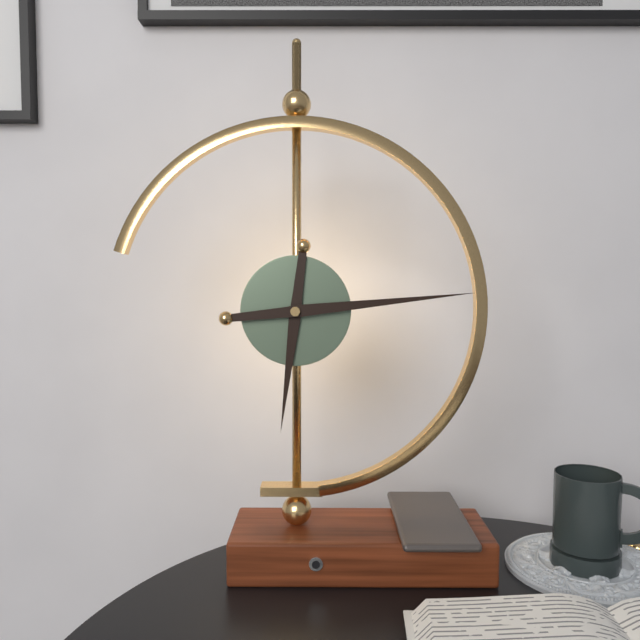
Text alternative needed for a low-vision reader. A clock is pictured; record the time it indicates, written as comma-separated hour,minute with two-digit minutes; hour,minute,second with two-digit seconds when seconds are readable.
6,14
